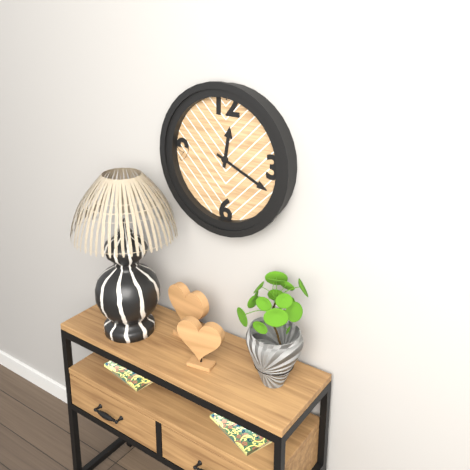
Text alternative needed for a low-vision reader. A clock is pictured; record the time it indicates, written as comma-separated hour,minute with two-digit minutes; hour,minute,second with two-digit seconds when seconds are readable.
12,19
